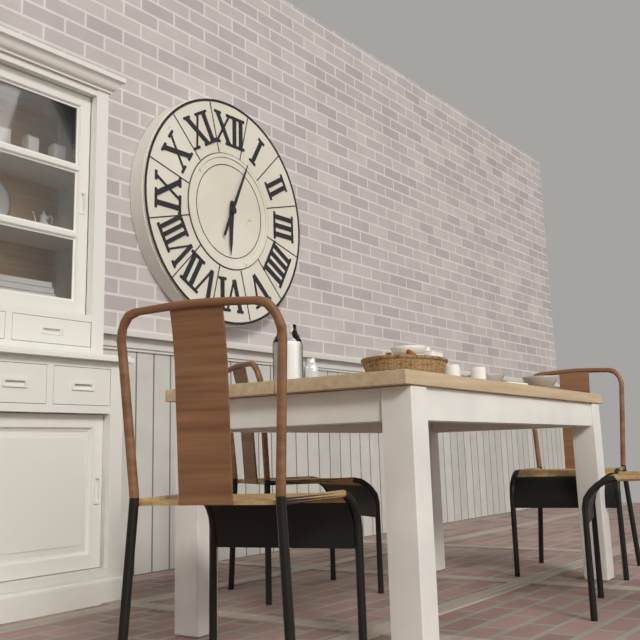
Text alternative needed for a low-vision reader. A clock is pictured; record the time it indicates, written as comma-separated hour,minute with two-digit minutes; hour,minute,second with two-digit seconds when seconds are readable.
6,04
